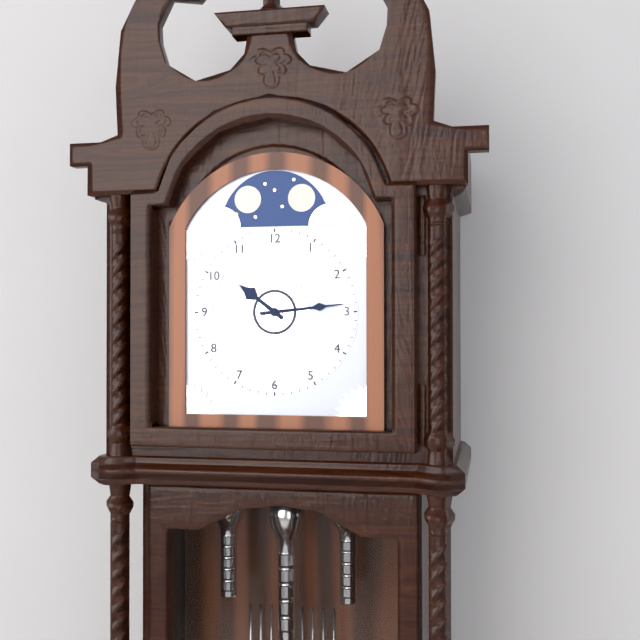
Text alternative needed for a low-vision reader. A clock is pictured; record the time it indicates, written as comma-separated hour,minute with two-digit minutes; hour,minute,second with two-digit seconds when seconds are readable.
10,14
